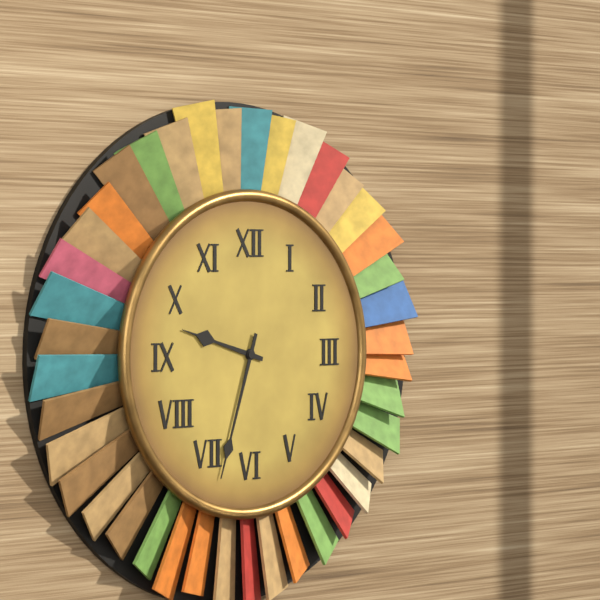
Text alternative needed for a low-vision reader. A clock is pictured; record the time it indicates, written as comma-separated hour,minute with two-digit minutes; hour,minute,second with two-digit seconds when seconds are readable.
9,33
